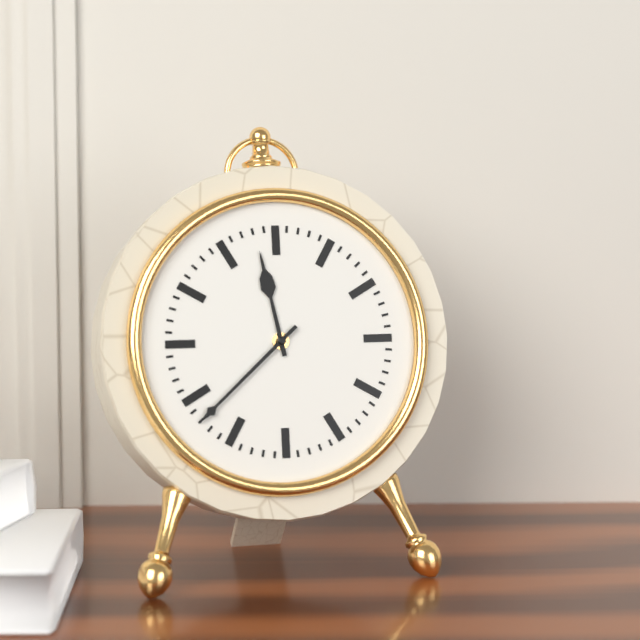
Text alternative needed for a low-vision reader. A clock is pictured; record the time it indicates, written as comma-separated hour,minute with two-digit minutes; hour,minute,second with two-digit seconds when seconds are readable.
11,38
